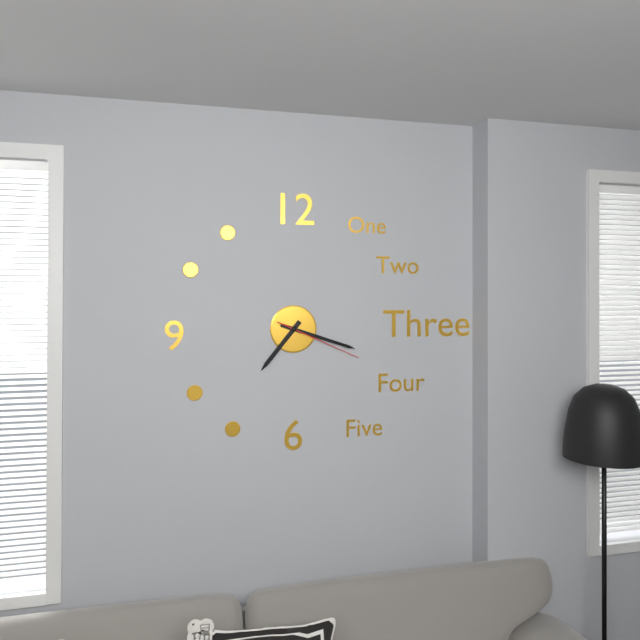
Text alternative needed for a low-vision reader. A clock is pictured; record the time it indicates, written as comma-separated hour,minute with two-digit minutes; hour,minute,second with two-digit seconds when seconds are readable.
7,18,19
